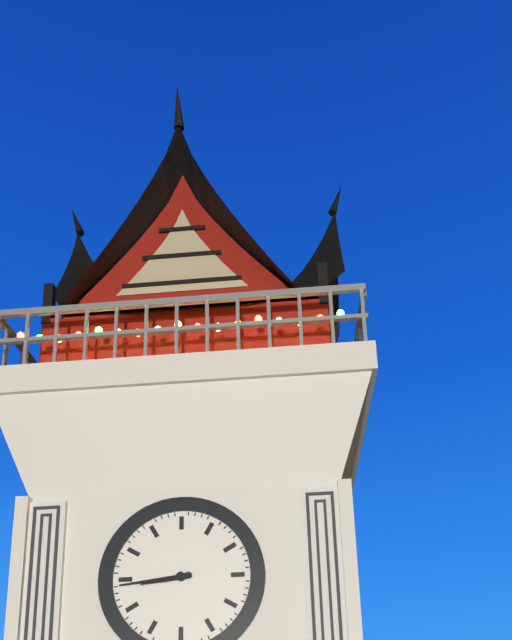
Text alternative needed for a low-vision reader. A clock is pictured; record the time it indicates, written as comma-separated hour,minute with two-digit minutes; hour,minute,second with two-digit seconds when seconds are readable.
8,44
